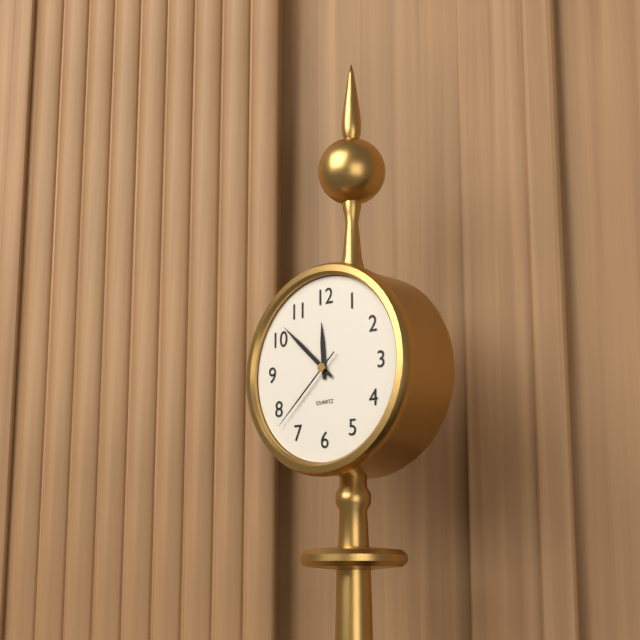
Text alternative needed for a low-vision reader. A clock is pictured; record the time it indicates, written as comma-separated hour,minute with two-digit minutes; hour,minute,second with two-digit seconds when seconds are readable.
11,52,38
